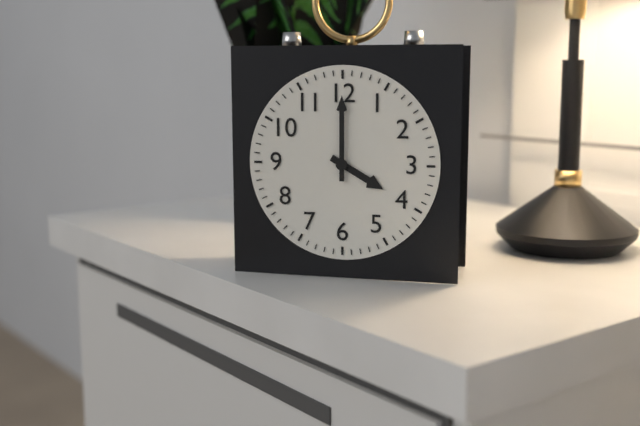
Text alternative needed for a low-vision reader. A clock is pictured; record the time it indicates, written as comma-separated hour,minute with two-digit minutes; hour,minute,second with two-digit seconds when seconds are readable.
4,00
